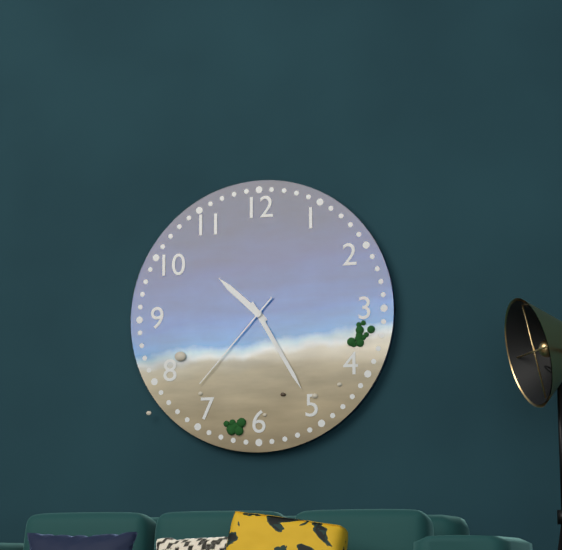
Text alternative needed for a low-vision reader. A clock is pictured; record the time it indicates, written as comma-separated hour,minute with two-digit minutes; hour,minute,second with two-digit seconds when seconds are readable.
10,25,37
